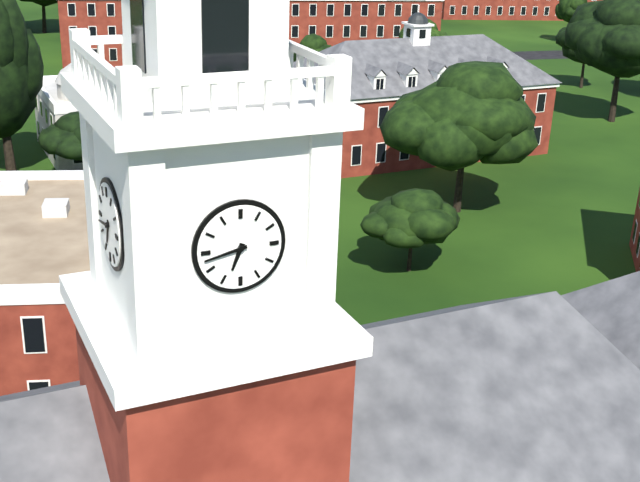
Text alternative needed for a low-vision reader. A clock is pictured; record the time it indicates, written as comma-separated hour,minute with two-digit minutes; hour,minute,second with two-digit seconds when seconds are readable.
6,43
